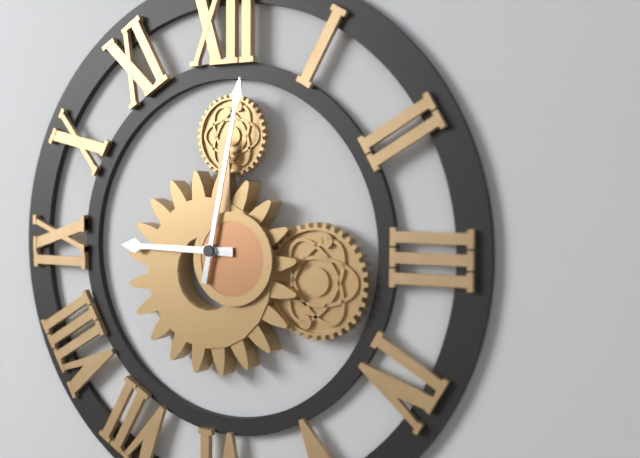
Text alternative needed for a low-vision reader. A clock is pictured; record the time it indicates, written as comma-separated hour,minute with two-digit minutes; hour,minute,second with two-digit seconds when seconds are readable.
9,02
